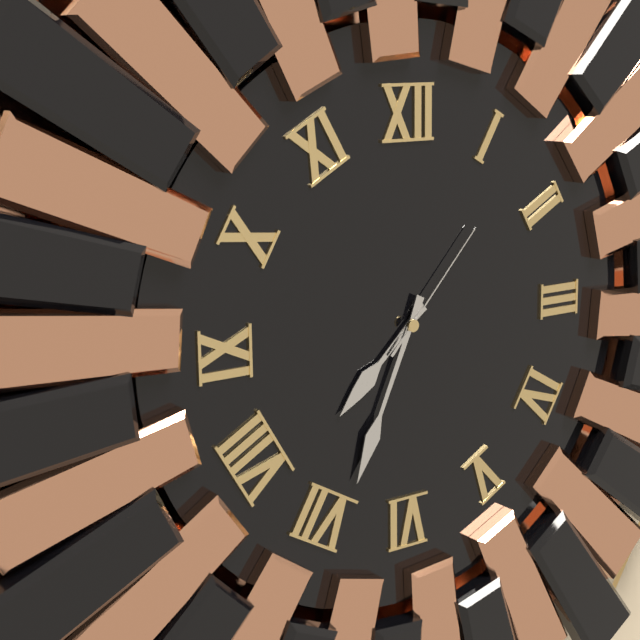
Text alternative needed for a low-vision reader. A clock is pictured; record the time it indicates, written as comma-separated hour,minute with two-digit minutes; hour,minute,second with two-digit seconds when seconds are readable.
7,34,07
